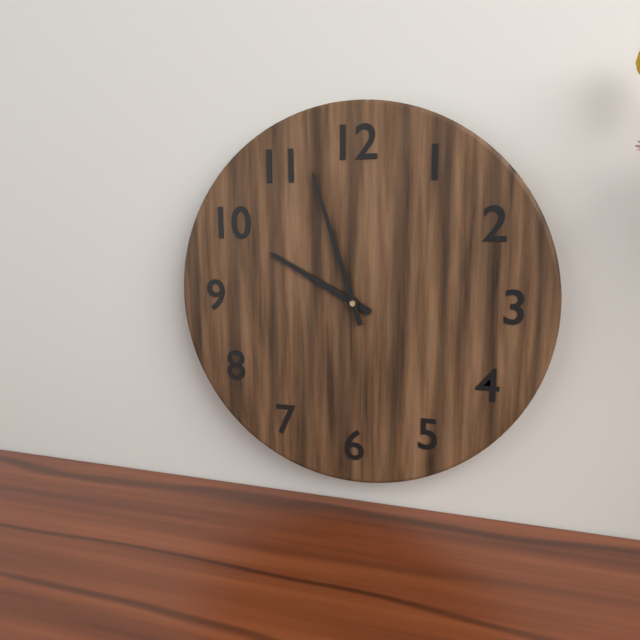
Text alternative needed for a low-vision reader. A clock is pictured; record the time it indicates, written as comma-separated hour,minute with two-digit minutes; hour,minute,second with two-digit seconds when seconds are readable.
9,57
